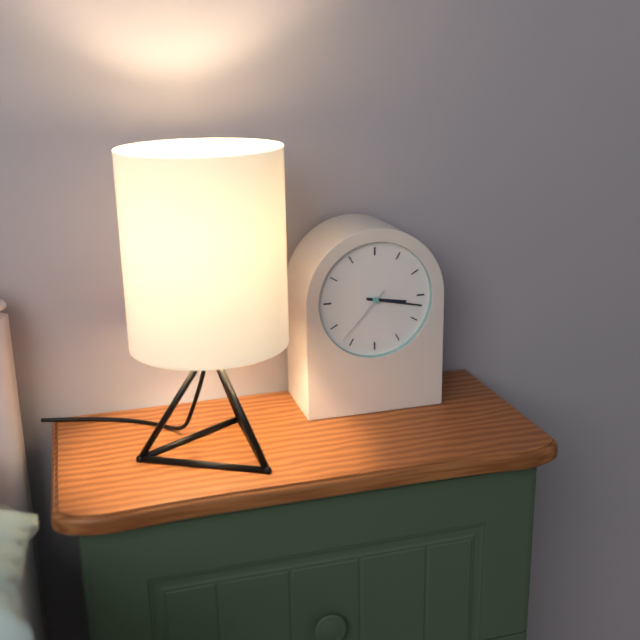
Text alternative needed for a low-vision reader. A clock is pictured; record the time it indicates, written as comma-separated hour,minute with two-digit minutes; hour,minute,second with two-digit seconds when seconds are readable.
3,17,37
